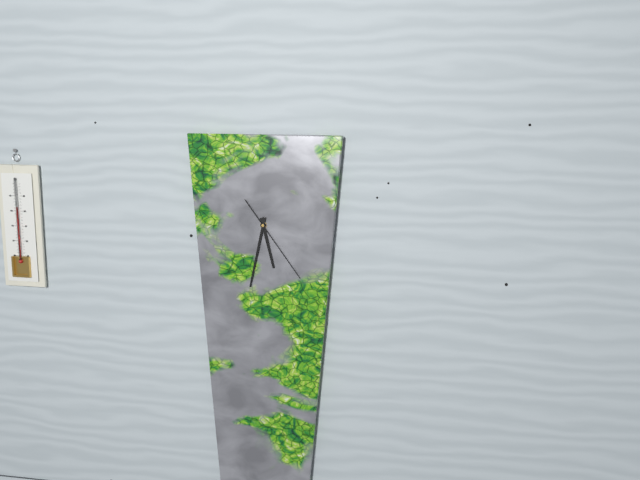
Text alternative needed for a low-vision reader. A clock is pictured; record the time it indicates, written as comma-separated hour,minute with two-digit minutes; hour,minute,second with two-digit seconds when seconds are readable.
5,32,24
